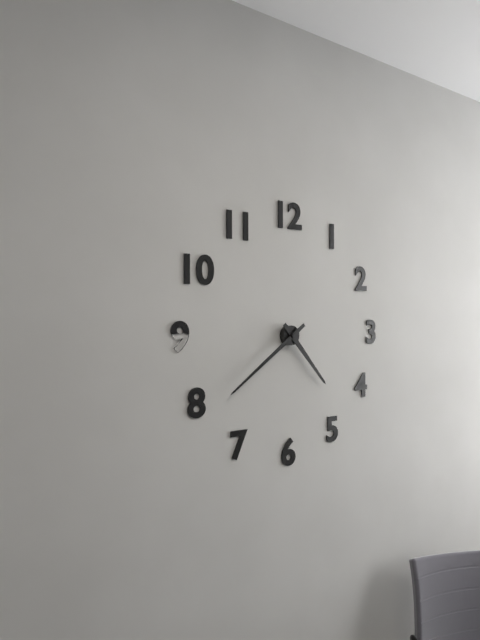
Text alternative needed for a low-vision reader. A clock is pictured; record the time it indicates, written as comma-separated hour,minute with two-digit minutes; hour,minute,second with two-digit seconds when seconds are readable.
4,39
